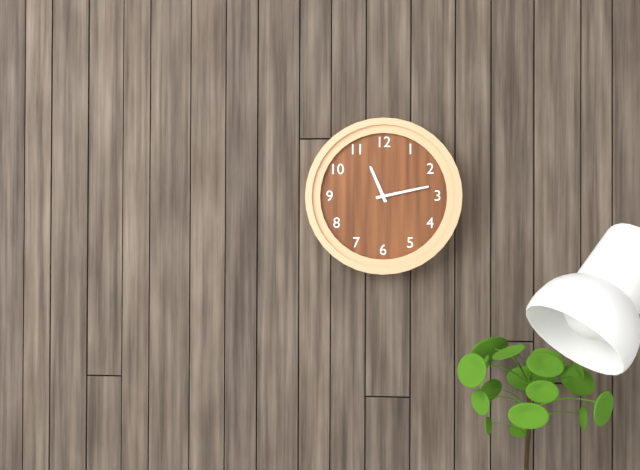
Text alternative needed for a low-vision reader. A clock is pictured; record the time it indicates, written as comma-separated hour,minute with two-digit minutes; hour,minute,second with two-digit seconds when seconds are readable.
11,13
